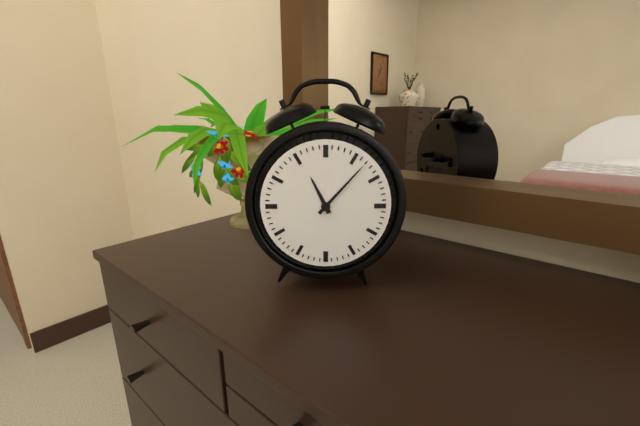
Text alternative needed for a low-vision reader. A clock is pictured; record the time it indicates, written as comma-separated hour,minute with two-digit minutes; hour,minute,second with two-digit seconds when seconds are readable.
11,07
